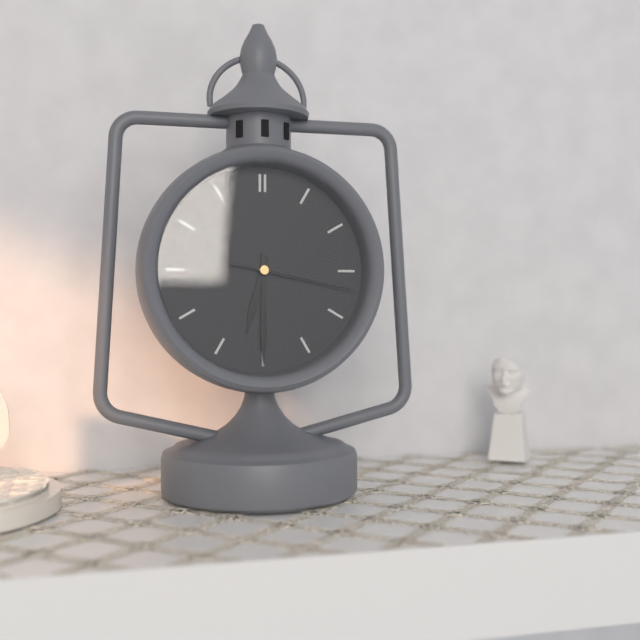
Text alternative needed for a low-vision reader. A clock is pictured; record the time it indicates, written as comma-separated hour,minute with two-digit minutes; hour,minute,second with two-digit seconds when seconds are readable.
6,30,17
